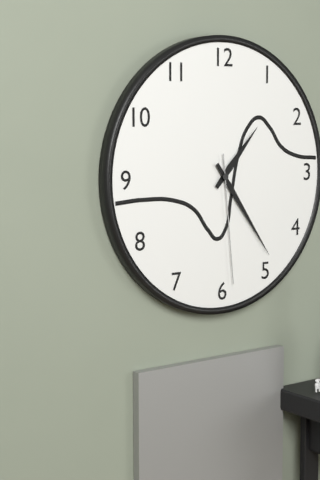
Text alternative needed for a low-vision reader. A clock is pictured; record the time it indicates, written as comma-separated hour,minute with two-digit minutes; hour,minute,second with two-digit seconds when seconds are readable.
1,24,29
